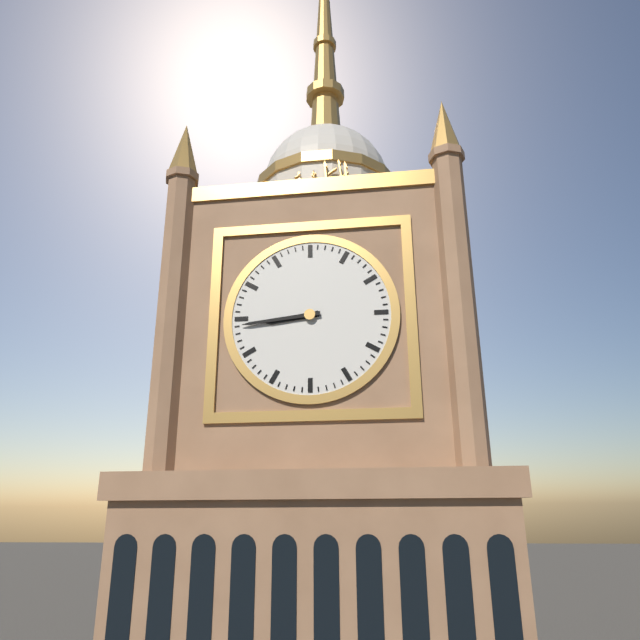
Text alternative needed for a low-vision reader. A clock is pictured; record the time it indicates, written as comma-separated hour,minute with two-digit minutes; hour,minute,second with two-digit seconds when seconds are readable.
8,44
